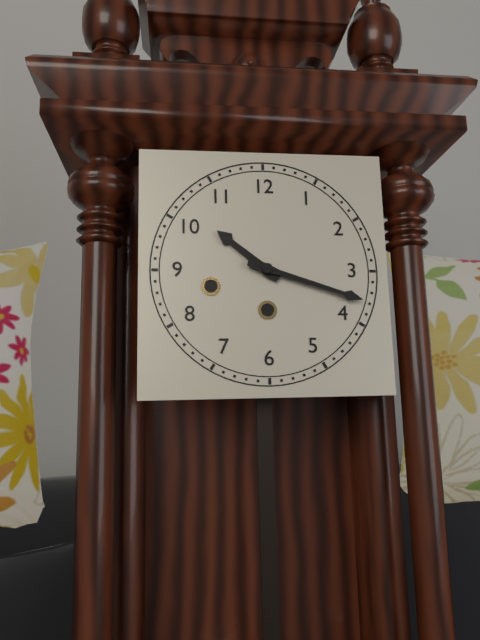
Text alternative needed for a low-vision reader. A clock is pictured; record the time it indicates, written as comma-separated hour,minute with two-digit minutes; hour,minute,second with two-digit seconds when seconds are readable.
10,18
